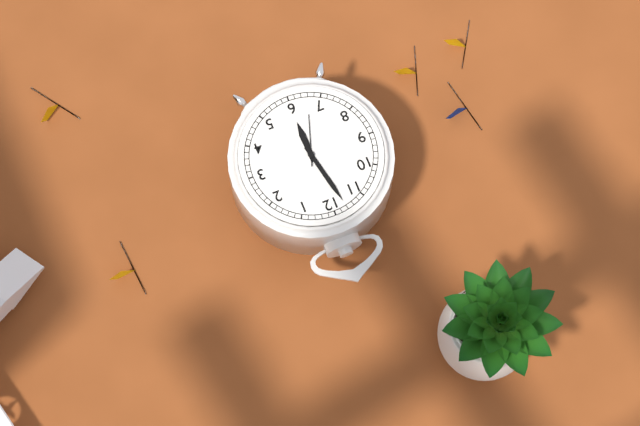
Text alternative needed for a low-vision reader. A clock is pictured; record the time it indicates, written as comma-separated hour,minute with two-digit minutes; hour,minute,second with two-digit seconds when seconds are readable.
5,58,33
